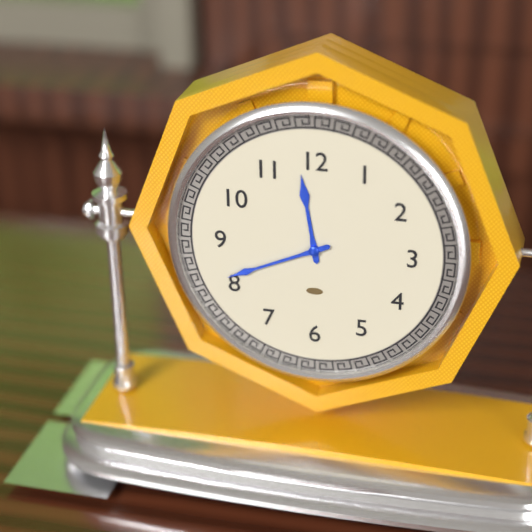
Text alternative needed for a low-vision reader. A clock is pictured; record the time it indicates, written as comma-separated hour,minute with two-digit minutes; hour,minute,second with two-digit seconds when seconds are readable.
11,41
